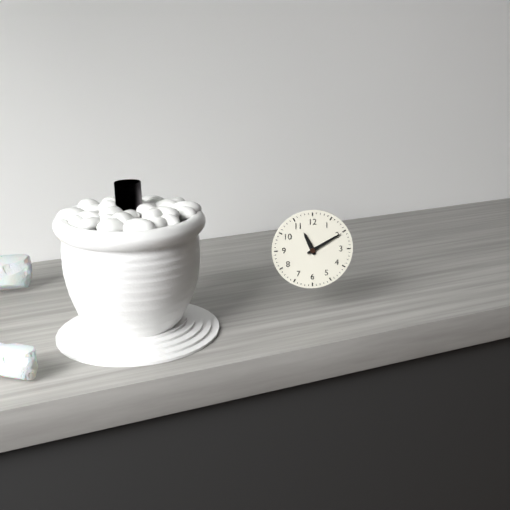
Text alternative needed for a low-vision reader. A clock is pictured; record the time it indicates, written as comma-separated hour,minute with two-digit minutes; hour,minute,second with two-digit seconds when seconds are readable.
11,10
